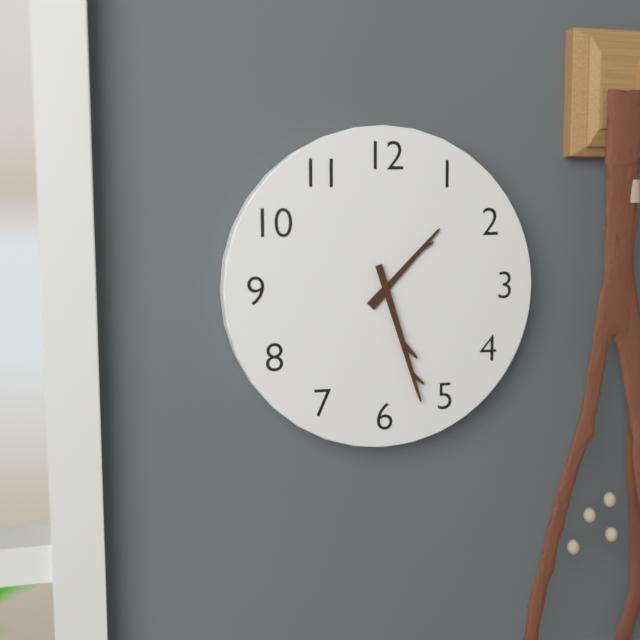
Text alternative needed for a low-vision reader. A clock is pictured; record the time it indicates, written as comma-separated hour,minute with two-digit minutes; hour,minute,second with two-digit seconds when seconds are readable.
1,27
